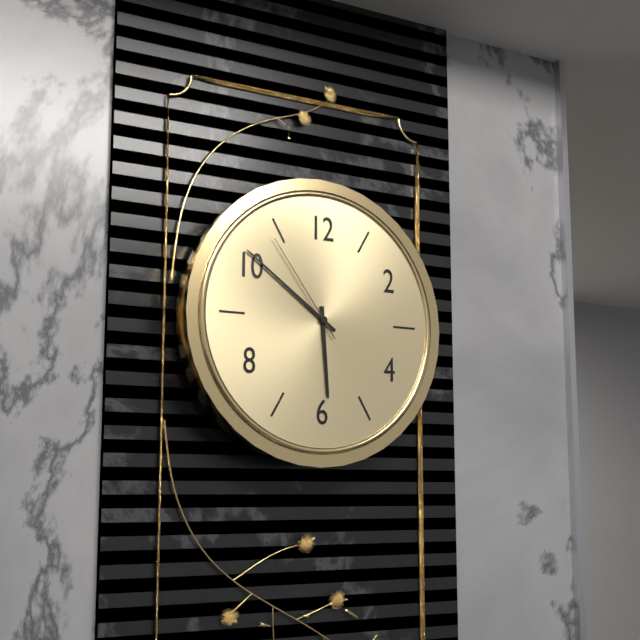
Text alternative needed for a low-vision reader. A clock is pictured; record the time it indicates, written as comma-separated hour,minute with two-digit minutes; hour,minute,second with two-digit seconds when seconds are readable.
5,51,54
